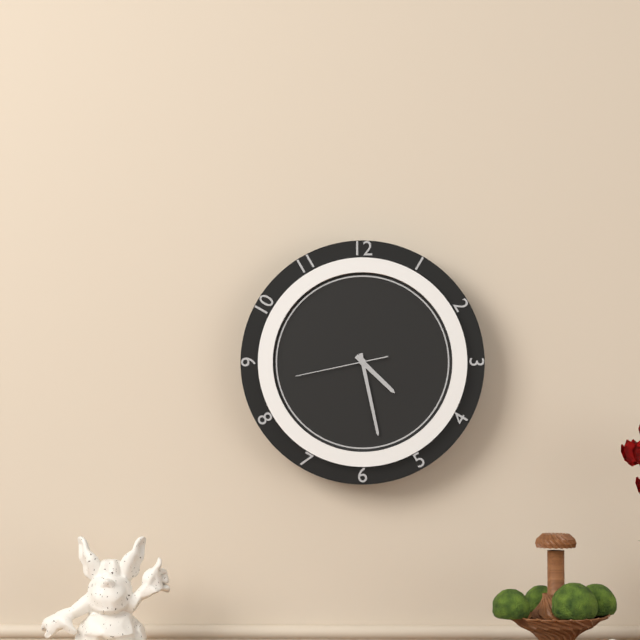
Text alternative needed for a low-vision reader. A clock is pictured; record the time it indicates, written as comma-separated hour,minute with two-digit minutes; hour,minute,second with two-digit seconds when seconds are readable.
4,28,43
